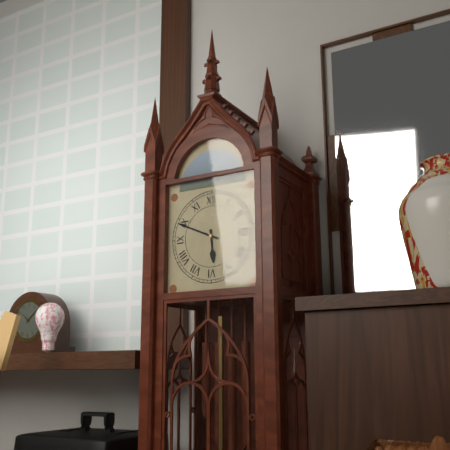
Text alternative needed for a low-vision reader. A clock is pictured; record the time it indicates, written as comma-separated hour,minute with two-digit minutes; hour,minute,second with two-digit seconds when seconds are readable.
5,49
